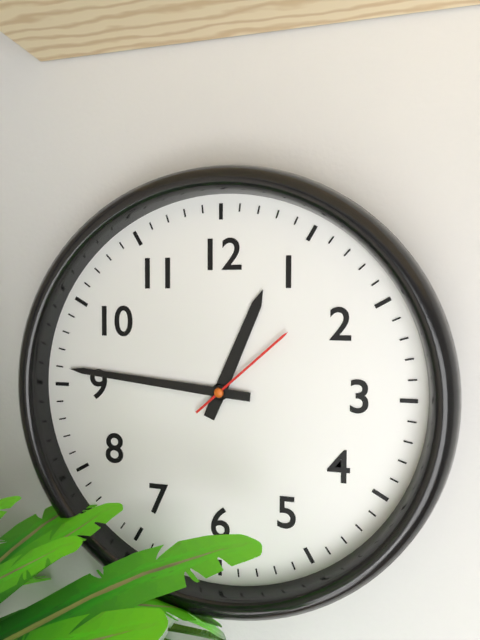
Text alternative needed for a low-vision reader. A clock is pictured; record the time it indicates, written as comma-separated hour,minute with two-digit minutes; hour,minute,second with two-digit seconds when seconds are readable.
12,46,08
